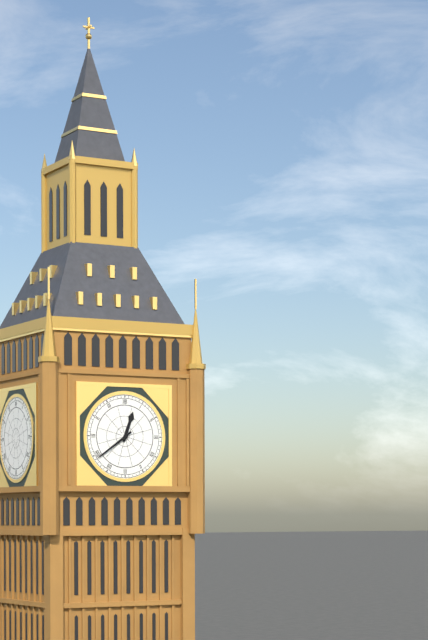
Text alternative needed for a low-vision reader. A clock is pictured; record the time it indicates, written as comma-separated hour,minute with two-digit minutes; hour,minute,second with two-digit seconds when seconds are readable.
12,39
